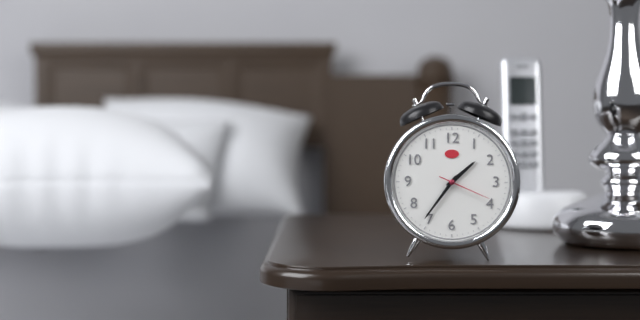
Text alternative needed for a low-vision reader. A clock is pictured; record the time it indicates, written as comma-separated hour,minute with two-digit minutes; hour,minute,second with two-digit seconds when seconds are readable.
1,36,19
